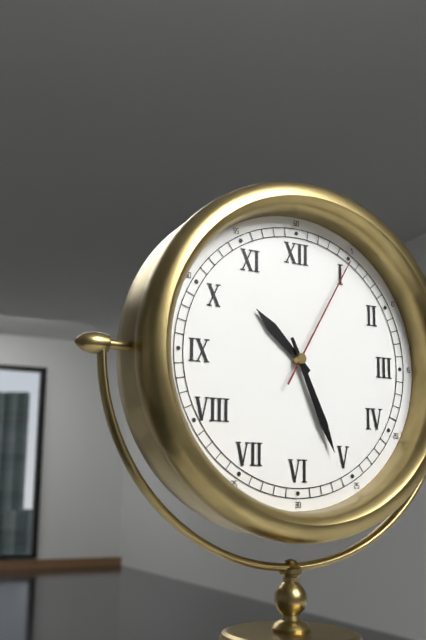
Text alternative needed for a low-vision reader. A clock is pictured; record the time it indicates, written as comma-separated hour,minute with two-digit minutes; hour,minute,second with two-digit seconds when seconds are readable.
10,26,05
